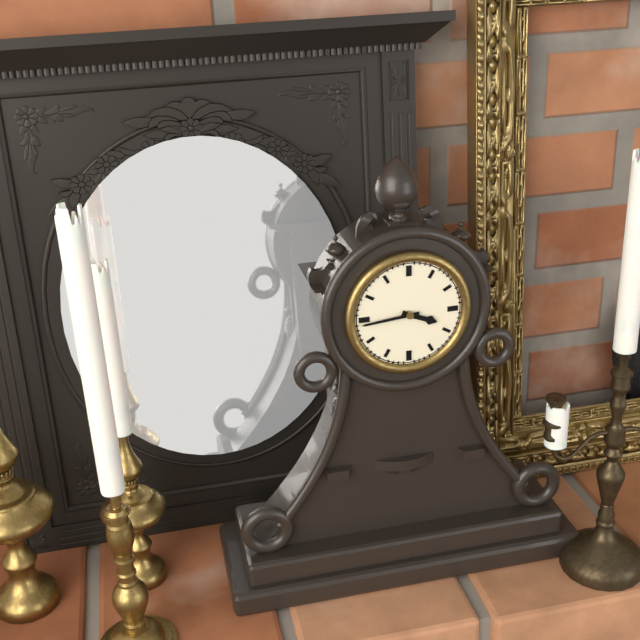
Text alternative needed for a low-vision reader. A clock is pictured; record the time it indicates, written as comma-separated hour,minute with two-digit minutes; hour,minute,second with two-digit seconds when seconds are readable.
3,44
